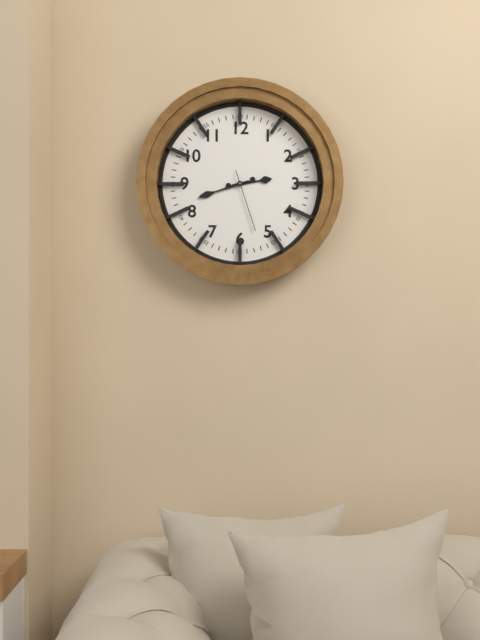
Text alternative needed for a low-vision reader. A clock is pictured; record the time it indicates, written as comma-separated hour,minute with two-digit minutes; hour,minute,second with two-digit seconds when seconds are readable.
2,42,27
